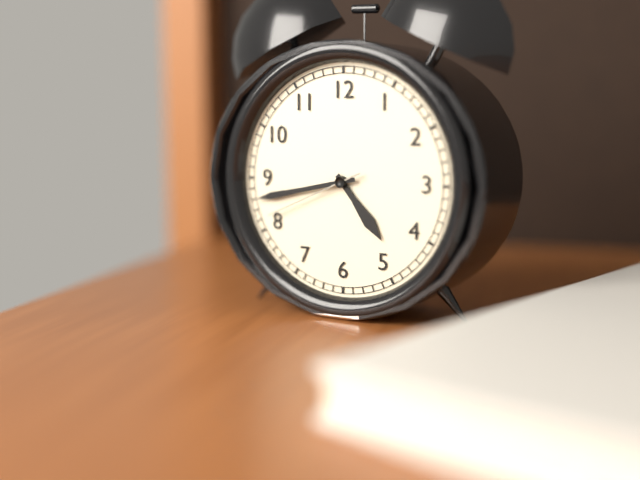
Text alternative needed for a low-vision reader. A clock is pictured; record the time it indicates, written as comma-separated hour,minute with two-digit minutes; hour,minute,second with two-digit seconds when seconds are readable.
4,43,41
